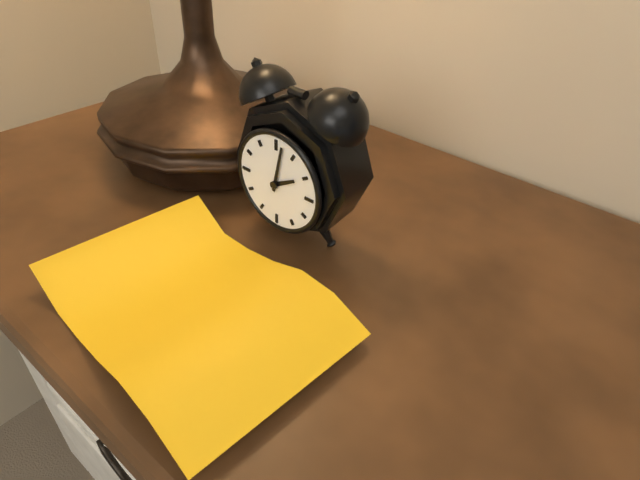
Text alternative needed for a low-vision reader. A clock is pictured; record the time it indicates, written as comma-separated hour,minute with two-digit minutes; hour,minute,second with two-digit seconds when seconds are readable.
2,02
